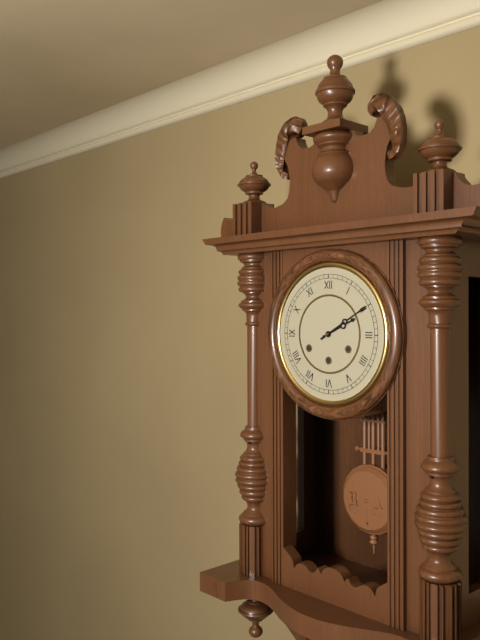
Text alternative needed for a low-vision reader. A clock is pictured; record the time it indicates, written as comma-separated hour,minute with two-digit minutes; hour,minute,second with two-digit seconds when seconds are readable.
2,10
